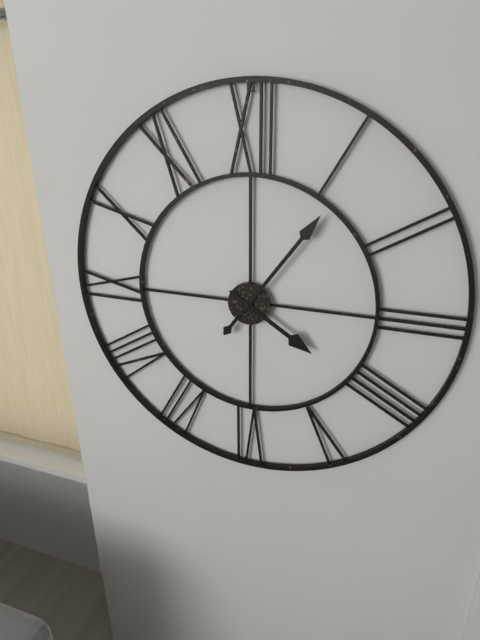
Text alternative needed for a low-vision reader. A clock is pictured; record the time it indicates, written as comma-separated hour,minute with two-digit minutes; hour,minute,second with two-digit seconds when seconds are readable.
4,06
